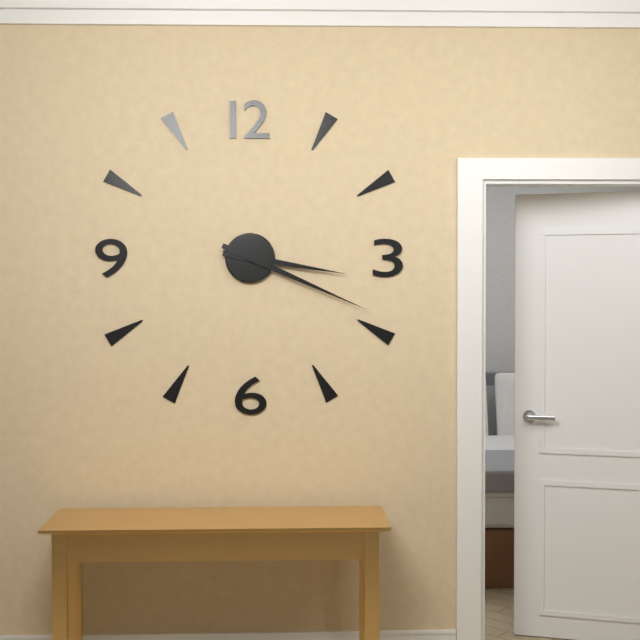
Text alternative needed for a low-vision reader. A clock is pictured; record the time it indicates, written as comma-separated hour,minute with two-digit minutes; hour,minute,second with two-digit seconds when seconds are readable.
3,19
